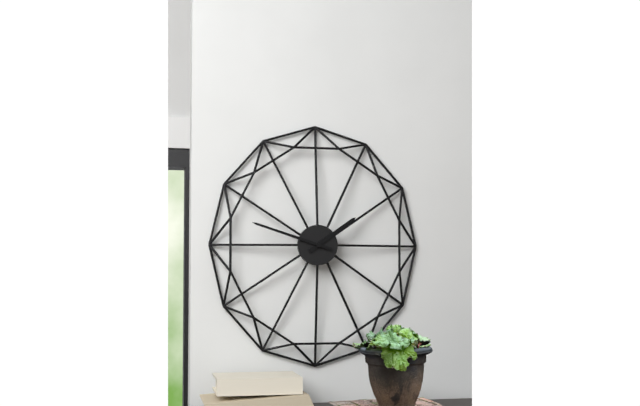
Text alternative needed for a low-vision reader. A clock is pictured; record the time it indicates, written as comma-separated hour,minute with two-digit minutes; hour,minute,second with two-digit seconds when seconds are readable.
1,48
